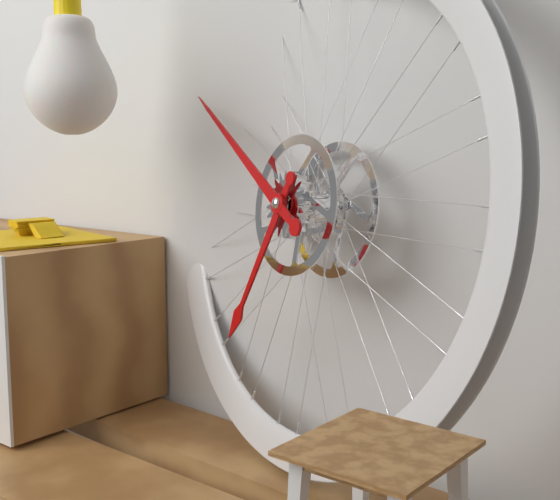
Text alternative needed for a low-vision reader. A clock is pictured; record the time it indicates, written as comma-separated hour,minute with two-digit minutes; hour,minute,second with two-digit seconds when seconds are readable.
6,50
